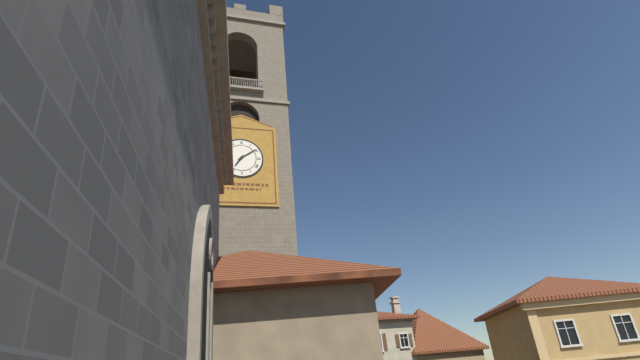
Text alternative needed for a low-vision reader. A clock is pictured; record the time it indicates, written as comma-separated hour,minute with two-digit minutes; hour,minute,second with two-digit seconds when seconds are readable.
7,09
